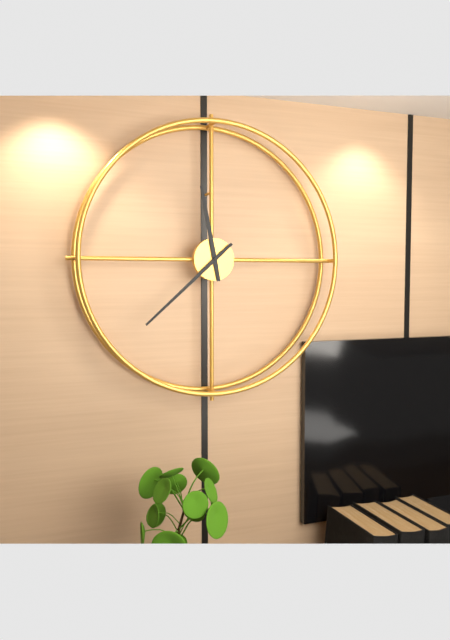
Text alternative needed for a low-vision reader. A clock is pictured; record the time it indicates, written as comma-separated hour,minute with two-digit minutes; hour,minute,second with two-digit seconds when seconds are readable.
11,38
